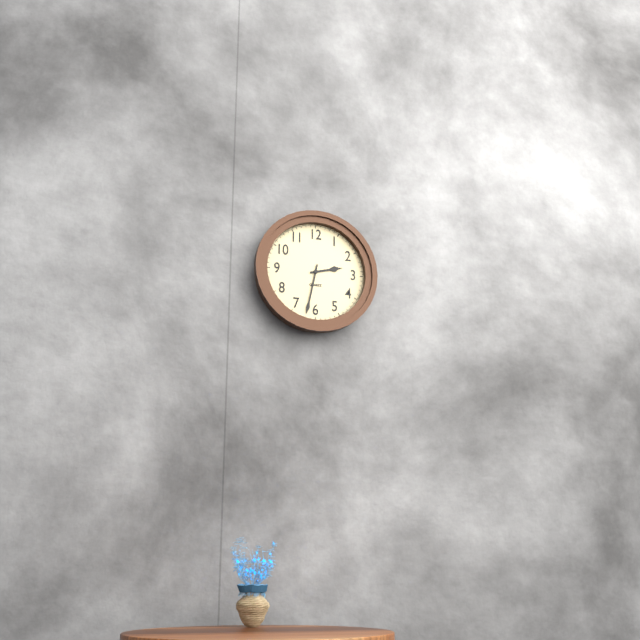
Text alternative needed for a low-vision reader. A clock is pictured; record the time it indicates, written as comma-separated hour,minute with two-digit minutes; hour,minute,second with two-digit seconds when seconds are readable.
2,32
